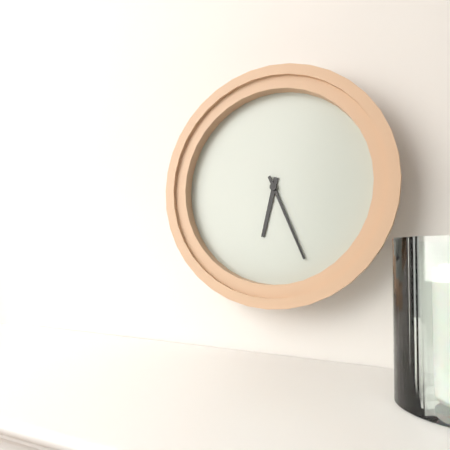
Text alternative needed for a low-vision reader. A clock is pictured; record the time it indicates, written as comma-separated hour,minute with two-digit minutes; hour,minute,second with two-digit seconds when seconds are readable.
6,26
